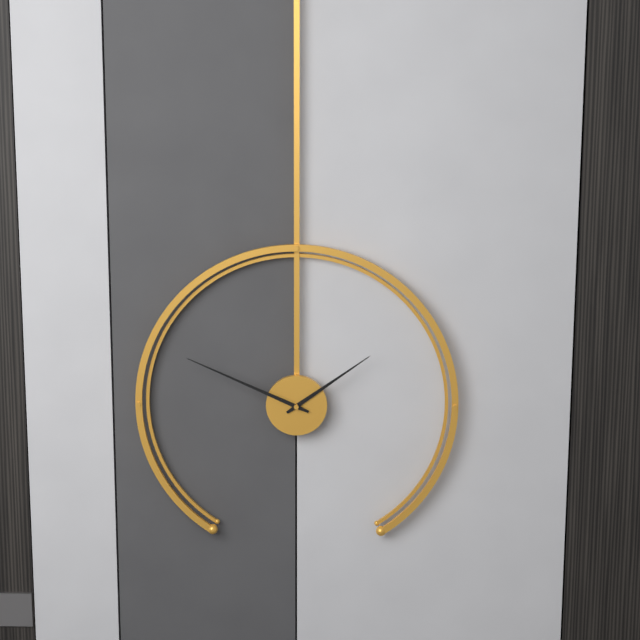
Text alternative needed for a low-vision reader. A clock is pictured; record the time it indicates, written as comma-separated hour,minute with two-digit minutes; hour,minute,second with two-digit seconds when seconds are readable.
1,49
